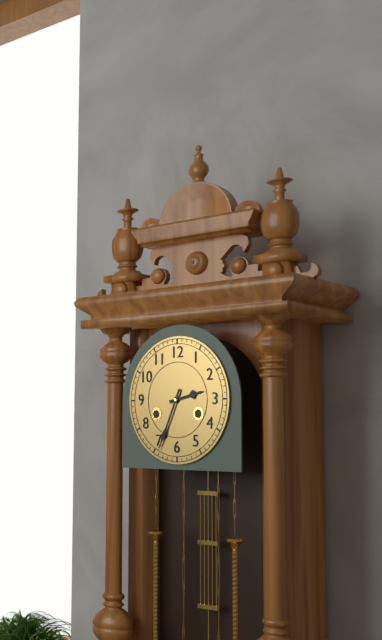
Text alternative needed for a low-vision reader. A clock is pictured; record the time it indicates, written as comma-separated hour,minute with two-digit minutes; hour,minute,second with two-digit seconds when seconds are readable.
2,34
